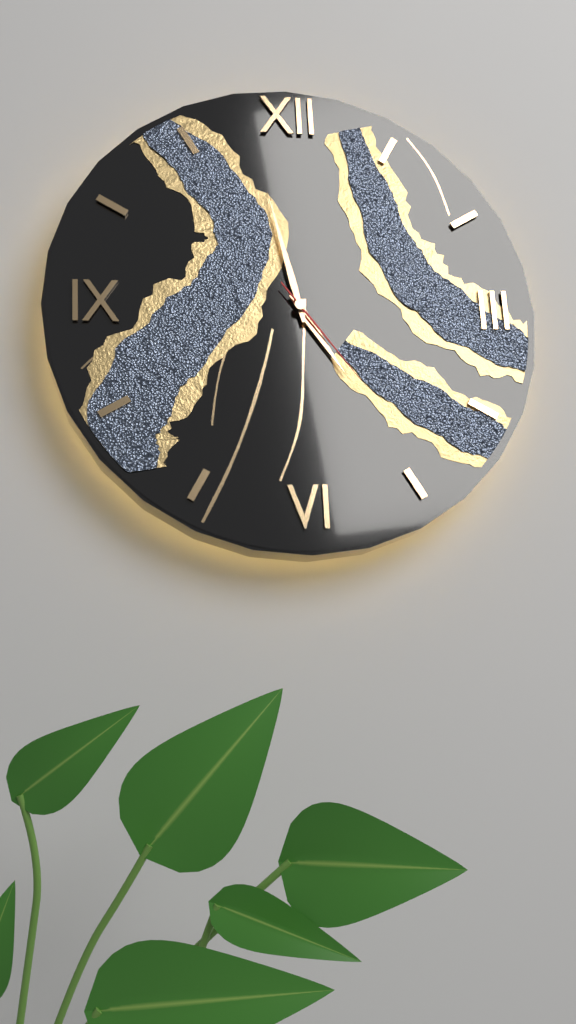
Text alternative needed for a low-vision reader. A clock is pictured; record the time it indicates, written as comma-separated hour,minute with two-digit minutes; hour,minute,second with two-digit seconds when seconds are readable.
4,58,24
